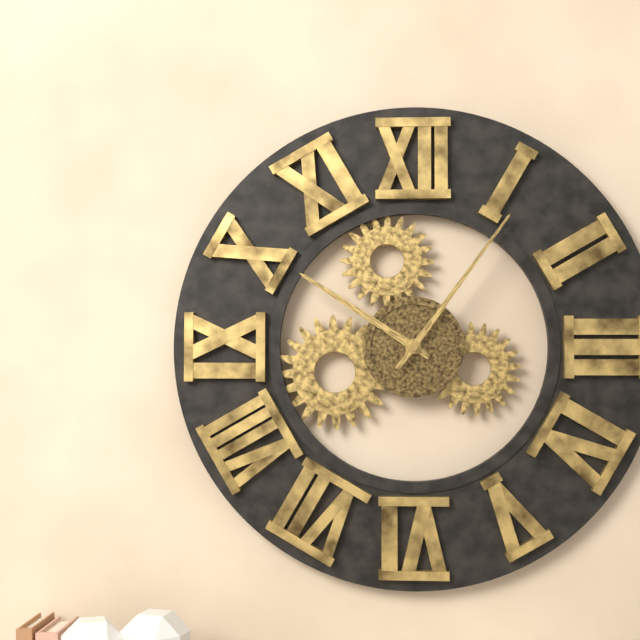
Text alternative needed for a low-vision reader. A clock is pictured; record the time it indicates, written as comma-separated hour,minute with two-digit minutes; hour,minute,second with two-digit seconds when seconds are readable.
10,06
